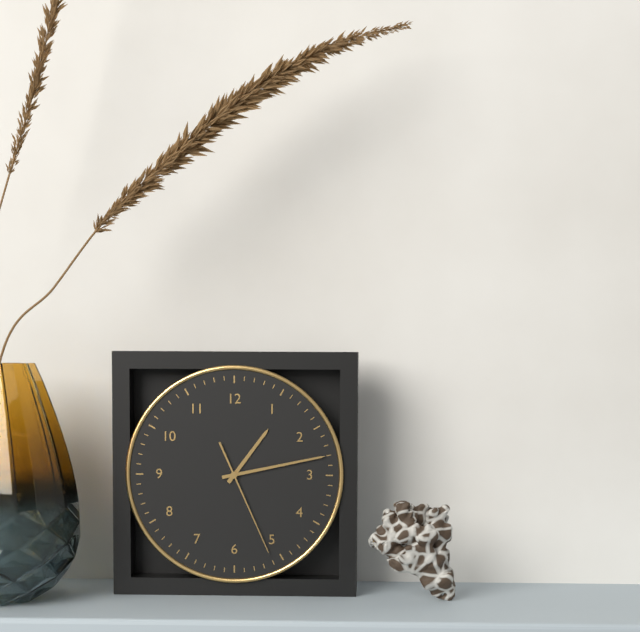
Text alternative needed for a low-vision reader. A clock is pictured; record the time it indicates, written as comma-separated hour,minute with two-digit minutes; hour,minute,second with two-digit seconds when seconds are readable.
1,13,26
